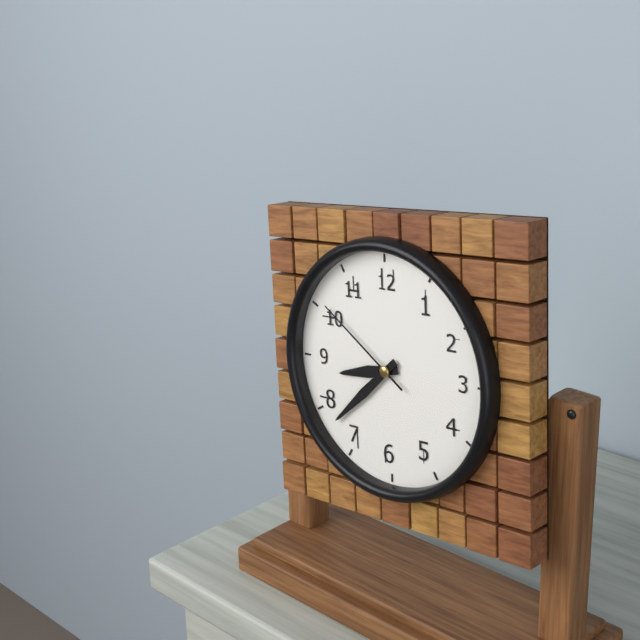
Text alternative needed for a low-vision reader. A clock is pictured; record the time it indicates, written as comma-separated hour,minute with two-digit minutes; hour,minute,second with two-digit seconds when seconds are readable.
8,38,51
